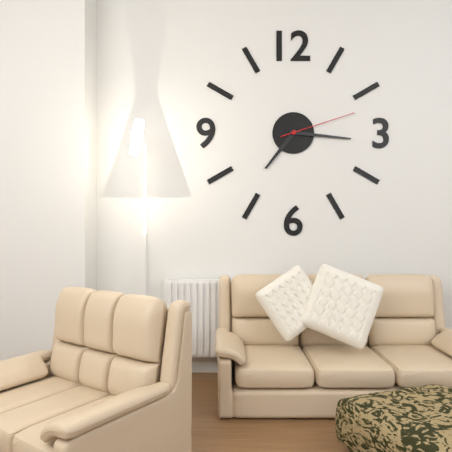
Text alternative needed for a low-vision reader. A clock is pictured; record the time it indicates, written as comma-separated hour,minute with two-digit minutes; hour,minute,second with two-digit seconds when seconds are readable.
7,16,12
